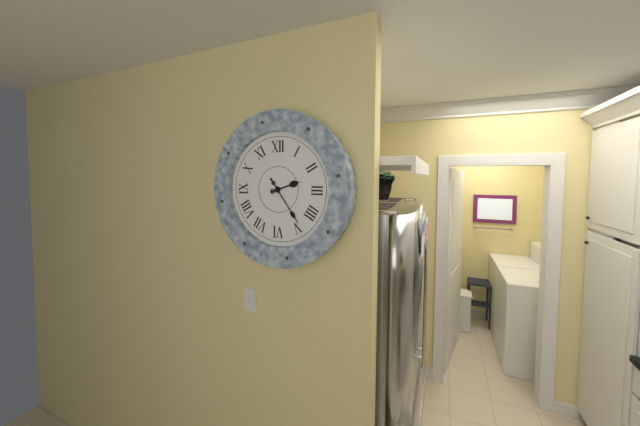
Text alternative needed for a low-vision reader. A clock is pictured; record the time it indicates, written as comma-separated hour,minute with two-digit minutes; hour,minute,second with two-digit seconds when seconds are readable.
2,24
